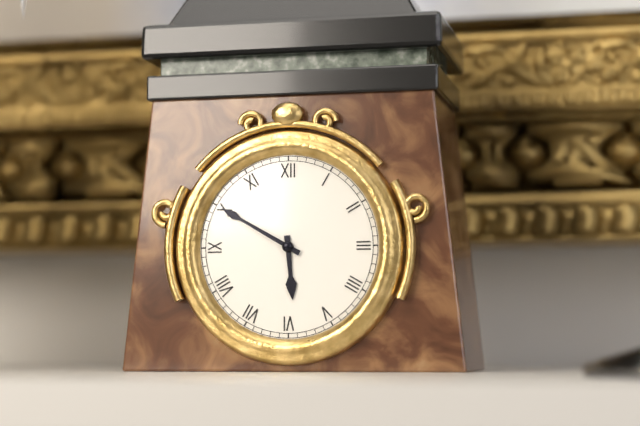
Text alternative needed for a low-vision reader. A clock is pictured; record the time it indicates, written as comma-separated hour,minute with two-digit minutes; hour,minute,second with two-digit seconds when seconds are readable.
5,50
